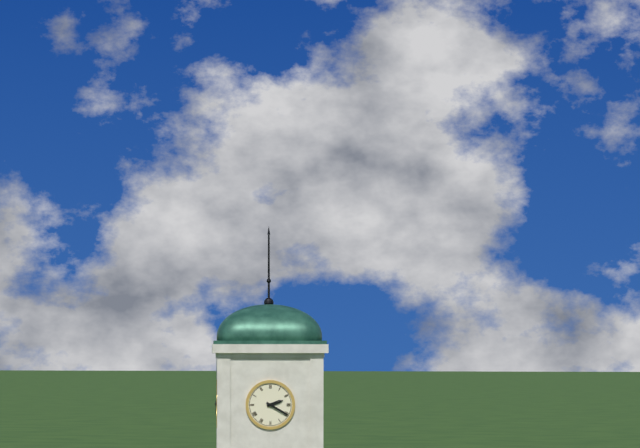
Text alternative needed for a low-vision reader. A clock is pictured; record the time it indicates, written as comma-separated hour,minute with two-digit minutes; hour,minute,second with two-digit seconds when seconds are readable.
2,20
